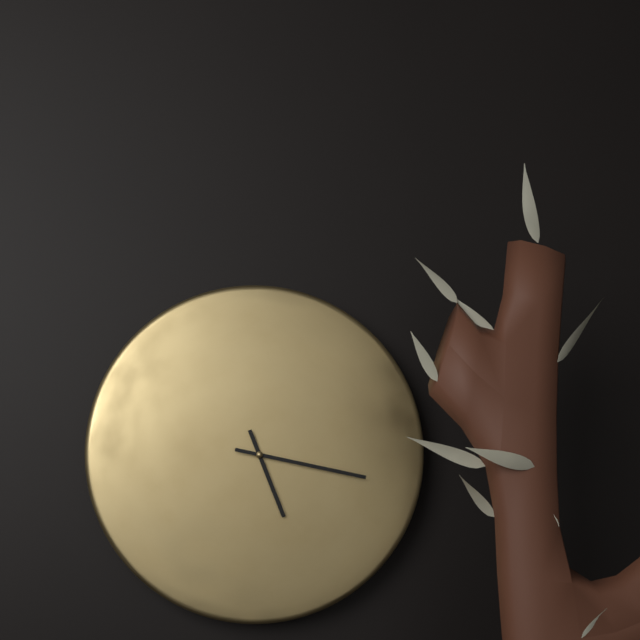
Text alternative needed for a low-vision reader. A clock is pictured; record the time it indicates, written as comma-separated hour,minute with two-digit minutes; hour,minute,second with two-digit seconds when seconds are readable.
5,17
